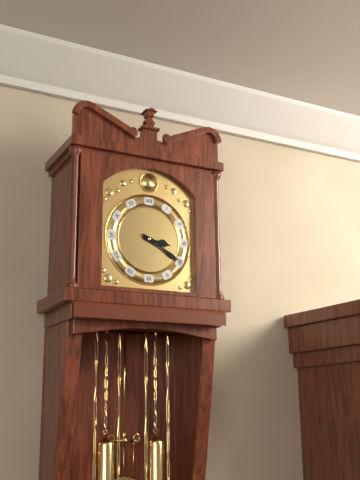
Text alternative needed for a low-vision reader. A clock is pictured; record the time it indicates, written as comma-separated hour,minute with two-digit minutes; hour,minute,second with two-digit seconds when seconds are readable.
3,20
